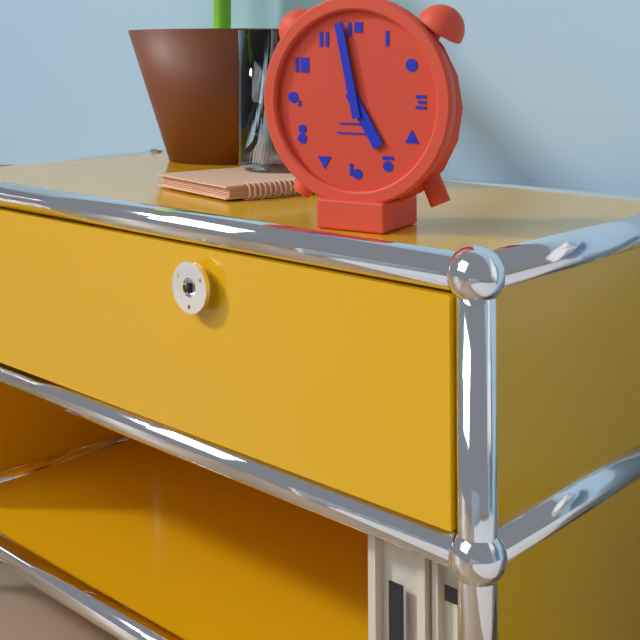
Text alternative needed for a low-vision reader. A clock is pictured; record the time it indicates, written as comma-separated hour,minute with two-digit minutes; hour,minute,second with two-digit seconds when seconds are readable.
4,58
